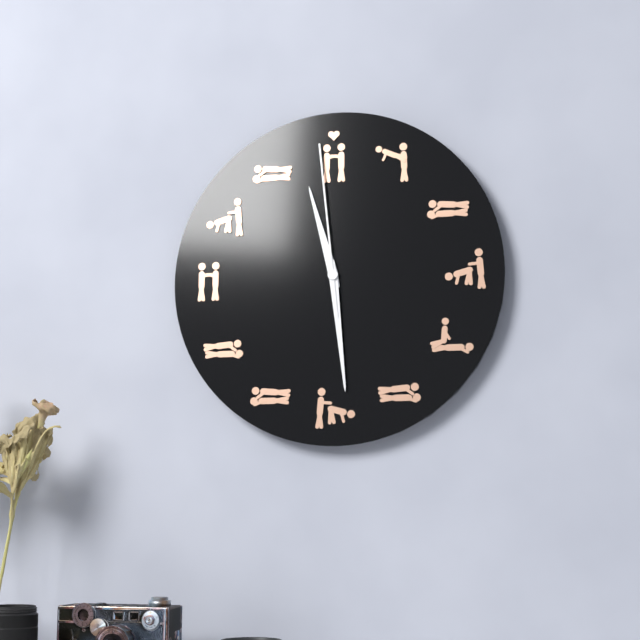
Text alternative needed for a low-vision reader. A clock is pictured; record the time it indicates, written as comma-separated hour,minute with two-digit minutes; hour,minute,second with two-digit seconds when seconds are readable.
11,29,59
